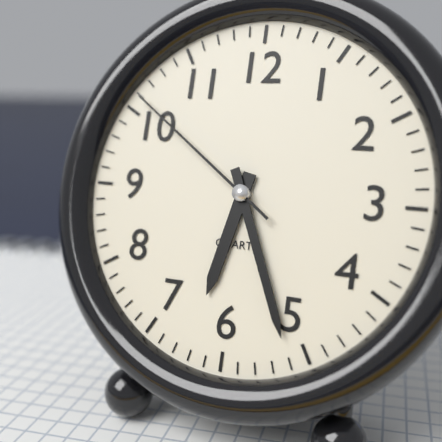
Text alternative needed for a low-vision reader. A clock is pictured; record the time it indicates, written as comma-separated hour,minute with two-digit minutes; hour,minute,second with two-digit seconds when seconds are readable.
6,26,51
